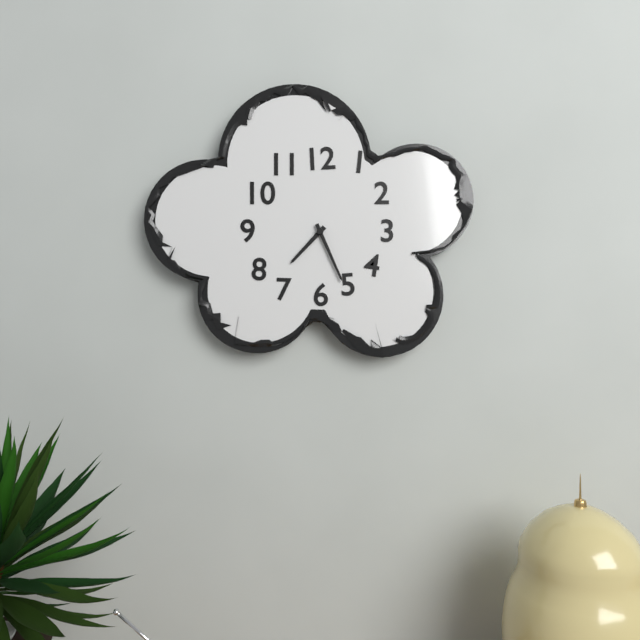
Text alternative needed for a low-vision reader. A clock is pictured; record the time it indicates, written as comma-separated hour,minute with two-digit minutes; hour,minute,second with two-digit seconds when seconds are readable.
7,26
